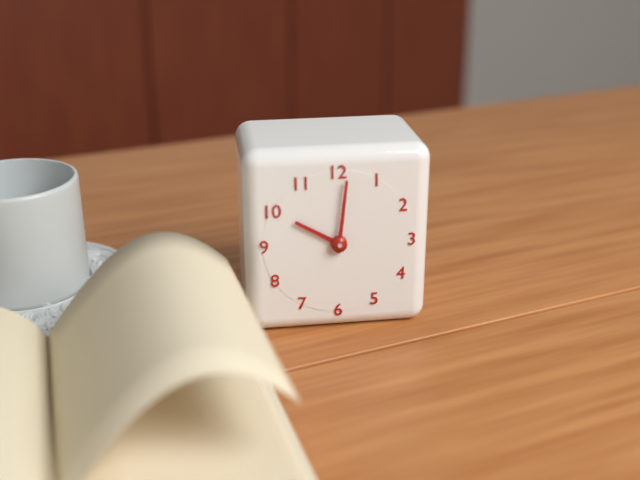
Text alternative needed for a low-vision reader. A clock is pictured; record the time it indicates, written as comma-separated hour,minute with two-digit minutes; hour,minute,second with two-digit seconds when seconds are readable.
10,01
